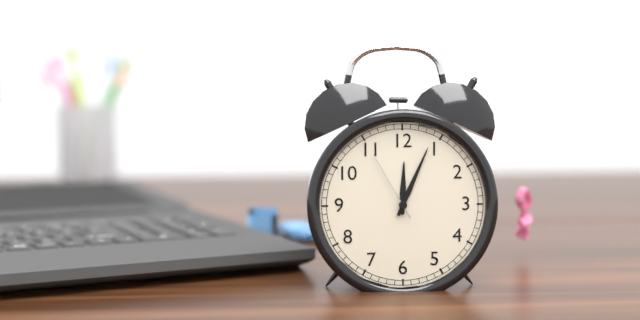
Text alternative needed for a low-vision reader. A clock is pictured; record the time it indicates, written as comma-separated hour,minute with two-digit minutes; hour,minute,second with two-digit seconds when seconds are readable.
12,04,55
